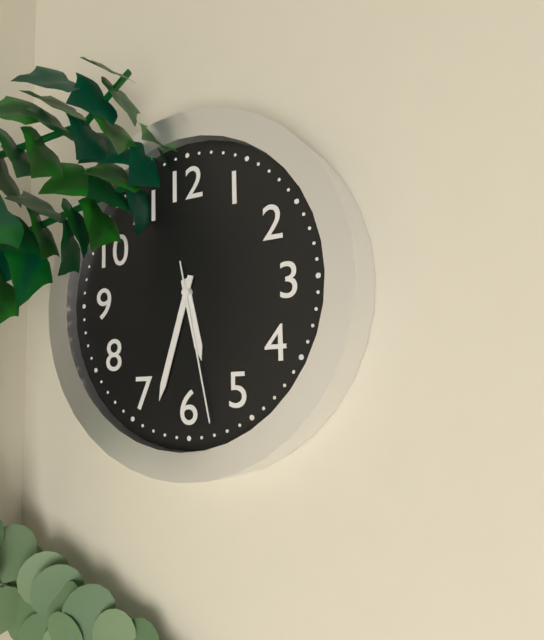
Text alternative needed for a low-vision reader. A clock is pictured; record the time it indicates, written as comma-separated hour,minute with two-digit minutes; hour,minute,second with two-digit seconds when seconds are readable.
5,33,28
